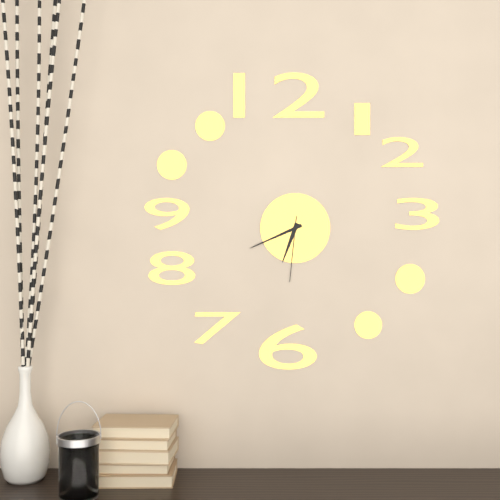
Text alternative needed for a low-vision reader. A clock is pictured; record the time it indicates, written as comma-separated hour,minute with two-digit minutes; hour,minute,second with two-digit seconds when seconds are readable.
6,41,31
